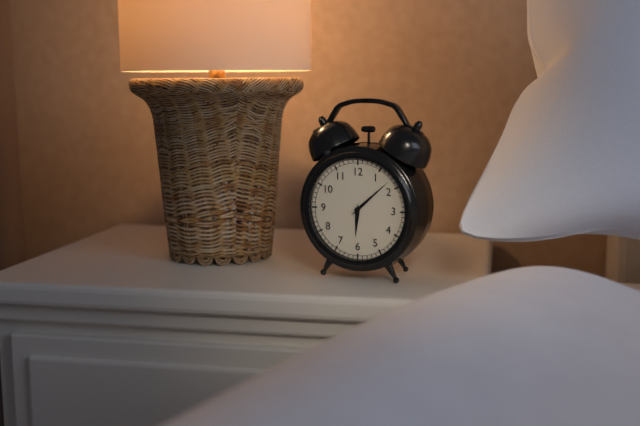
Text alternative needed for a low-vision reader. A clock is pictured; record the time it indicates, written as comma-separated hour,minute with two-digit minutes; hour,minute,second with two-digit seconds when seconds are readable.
6,08
